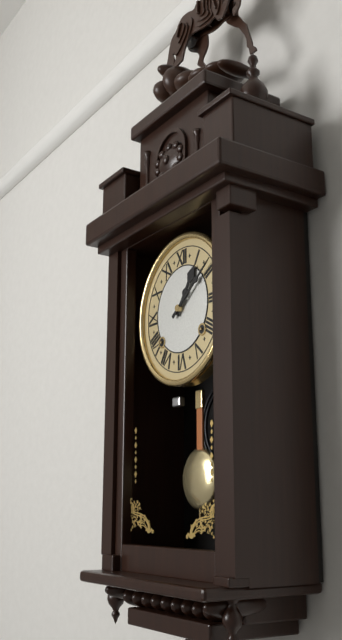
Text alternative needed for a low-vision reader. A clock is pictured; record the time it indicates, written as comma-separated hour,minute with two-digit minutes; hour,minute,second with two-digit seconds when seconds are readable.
1,09
